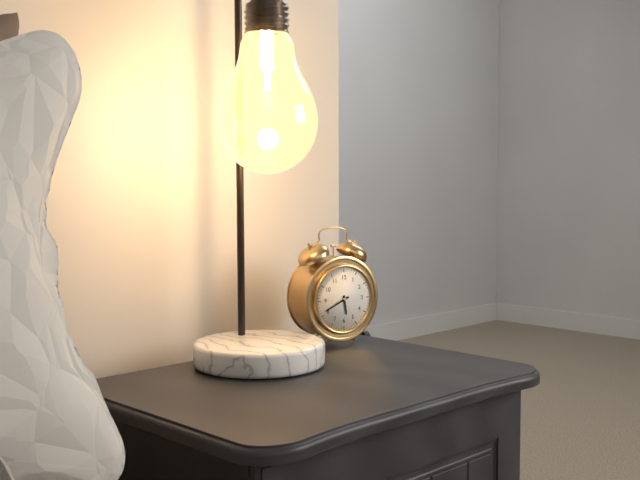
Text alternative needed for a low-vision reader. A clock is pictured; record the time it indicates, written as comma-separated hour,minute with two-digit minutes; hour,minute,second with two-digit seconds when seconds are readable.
5,41
